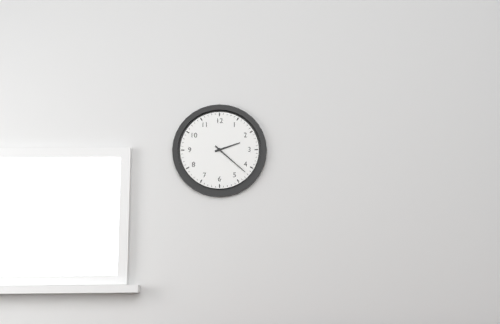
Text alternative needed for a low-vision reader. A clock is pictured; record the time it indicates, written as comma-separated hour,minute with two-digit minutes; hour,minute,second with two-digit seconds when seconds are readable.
2,22
